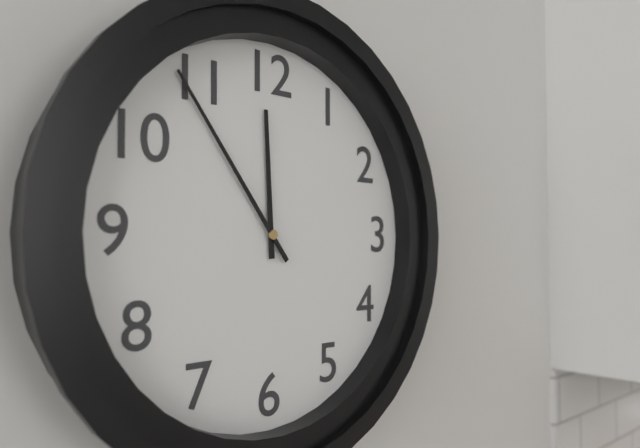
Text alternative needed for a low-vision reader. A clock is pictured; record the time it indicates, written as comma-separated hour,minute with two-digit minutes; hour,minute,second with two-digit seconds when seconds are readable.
11,54
